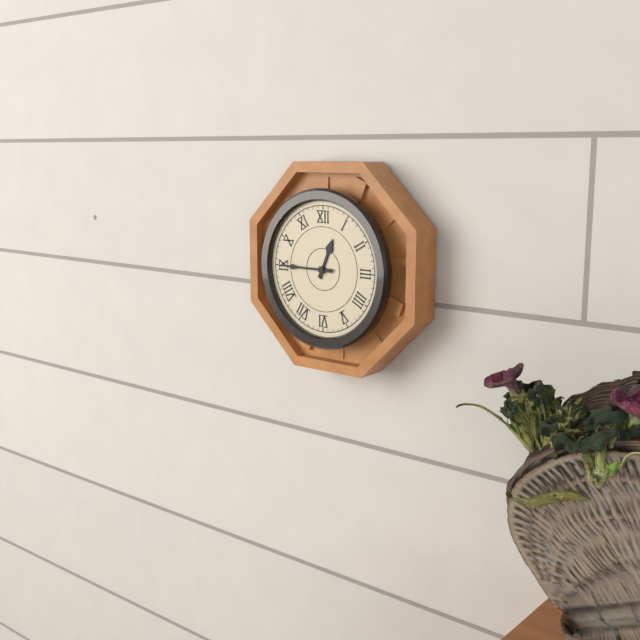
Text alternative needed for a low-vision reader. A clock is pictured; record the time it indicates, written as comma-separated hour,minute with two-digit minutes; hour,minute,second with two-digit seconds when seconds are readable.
12,45
